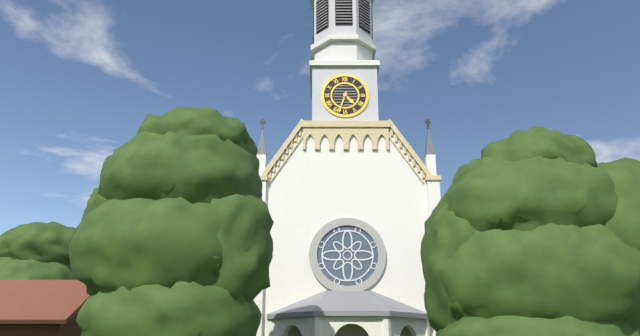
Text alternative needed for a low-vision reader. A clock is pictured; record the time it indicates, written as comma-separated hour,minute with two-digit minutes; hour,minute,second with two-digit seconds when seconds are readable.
4,33
